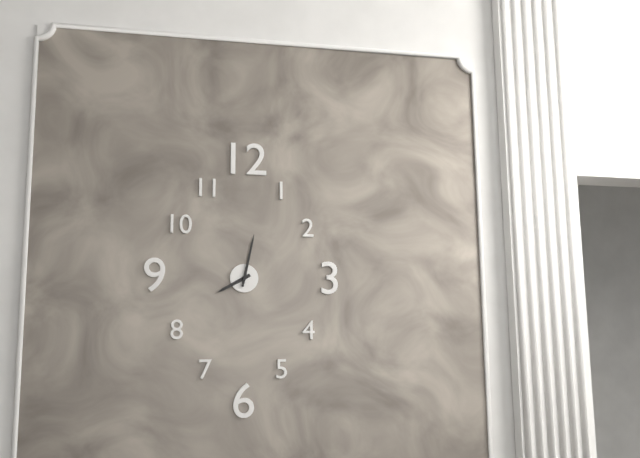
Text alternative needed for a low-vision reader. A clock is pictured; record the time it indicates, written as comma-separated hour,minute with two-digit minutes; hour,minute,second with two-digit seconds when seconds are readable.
8,02
